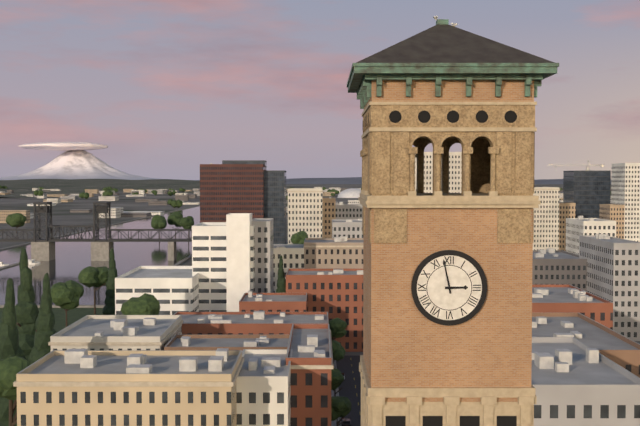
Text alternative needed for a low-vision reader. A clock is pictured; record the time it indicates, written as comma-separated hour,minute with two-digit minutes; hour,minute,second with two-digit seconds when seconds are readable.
2,58
